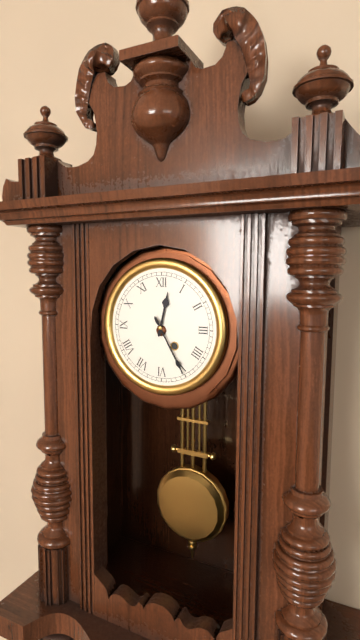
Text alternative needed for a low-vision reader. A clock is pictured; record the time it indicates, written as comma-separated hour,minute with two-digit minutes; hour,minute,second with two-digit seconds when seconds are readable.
12,25
